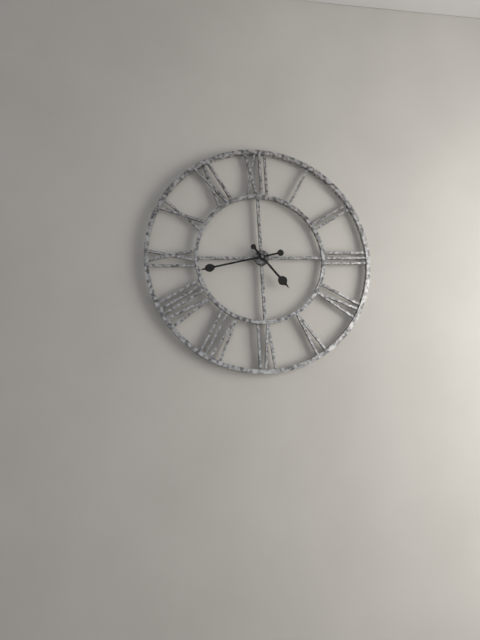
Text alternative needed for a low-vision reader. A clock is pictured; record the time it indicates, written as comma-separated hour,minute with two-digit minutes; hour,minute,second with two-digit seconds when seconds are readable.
4,43
